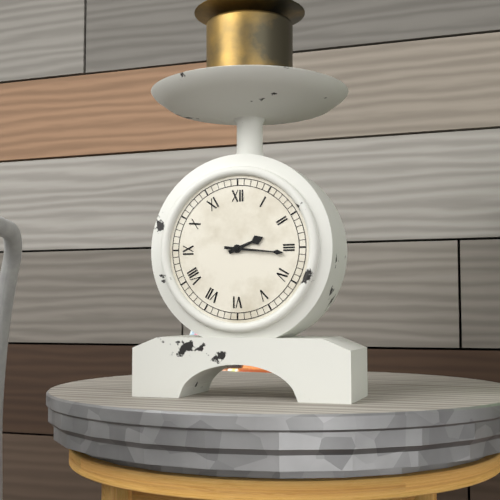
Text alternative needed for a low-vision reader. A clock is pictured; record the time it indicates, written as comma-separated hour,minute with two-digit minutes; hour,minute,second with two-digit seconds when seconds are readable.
2,16
